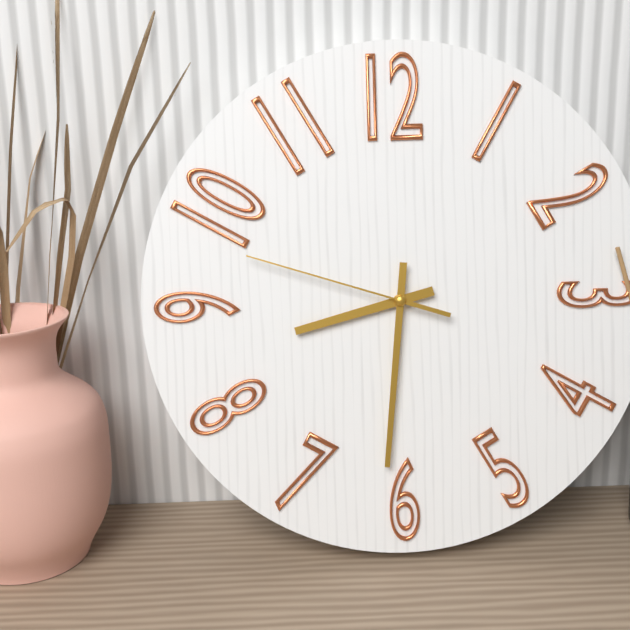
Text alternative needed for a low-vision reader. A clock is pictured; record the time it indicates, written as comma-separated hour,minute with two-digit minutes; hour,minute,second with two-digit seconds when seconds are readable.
8,31,48
